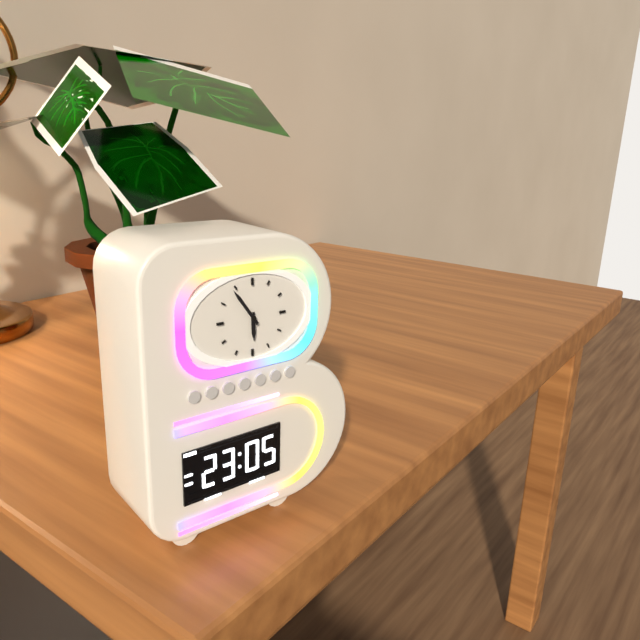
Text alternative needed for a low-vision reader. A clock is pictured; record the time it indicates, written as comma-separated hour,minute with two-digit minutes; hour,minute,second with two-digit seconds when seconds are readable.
5,54
